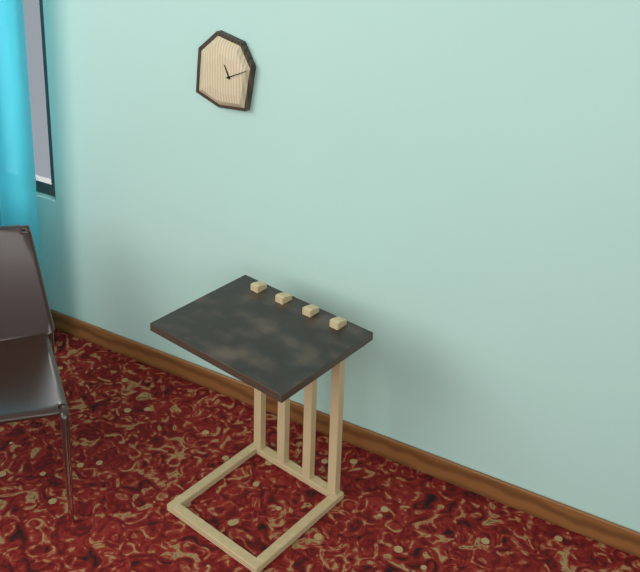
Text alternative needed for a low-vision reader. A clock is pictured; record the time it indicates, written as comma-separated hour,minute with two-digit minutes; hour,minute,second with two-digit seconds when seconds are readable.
11,11
